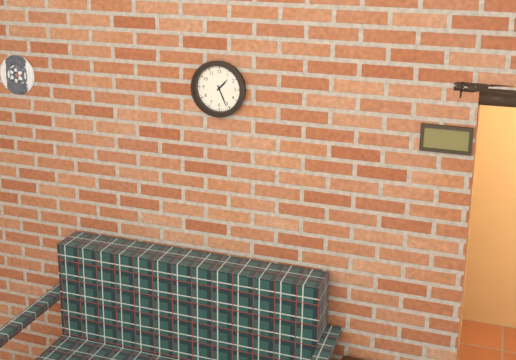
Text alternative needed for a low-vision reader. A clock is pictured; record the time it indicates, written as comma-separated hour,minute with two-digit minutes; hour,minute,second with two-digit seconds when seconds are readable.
1,26
